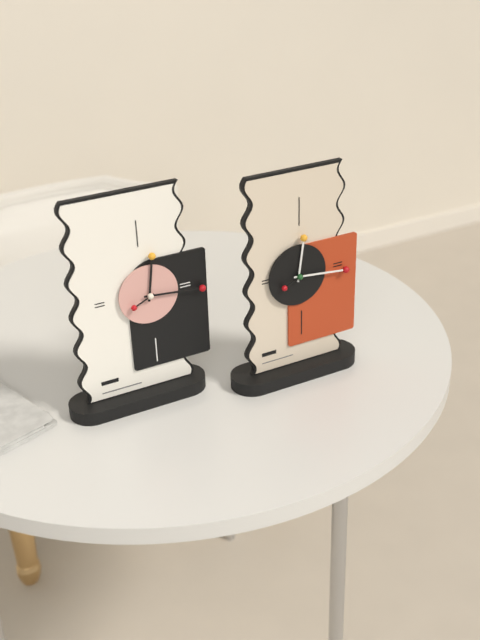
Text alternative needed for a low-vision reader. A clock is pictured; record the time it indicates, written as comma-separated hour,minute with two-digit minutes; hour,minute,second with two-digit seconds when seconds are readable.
12,16
